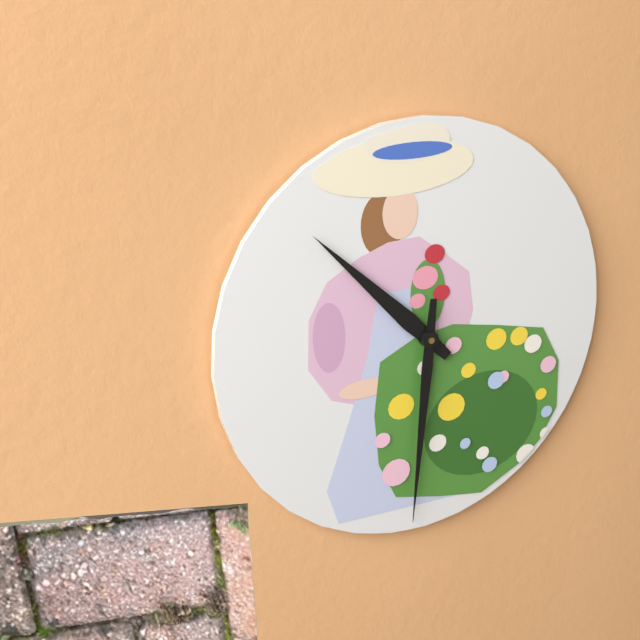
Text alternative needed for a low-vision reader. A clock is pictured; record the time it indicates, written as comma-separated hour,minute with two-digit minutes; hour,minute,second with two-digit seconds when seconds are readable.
10,31
